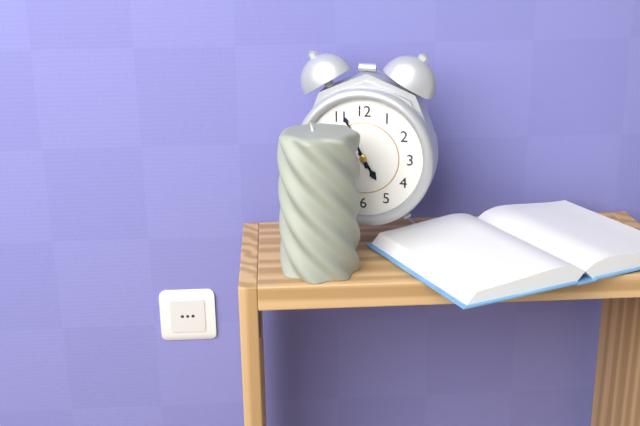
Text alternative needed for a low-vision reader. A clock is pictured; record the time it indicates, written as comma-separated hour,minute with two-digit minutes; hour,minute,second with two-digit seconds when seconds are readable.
4,56
